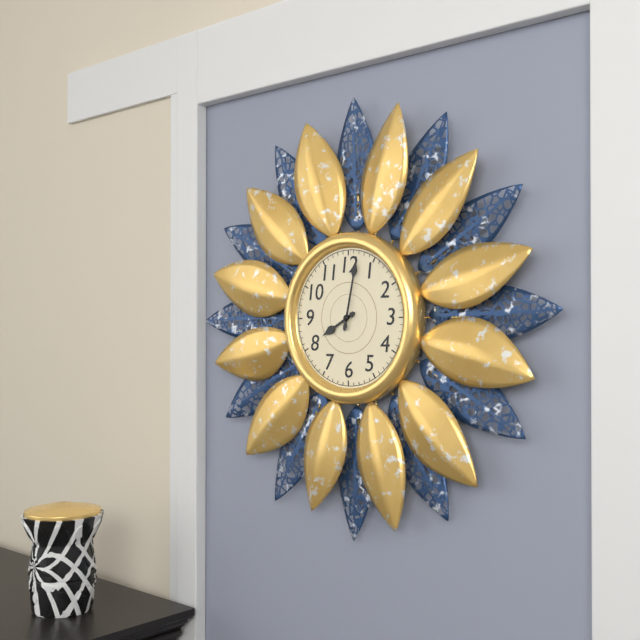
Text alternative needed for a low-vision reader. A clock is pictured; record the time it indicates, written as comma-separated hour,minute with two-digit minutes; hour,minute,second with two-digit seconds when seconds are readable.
8,02
